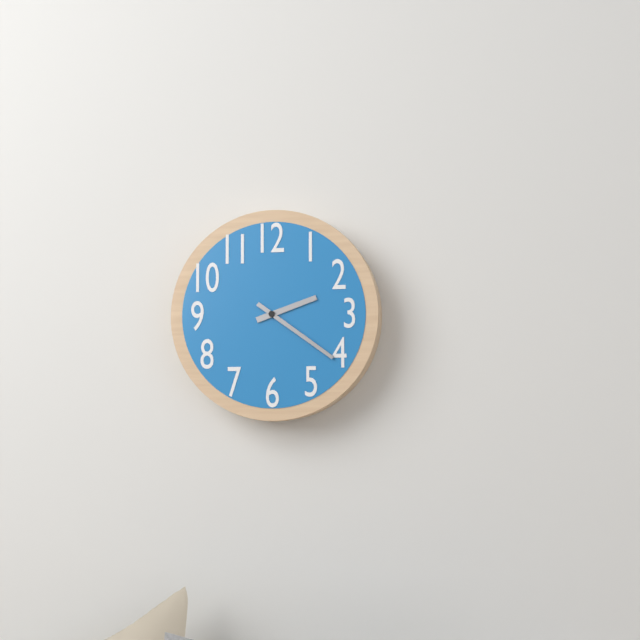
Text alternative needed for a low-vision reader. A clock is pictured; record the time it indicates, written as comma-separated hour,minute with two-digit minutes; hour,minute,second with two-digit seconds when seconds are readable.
2,21
